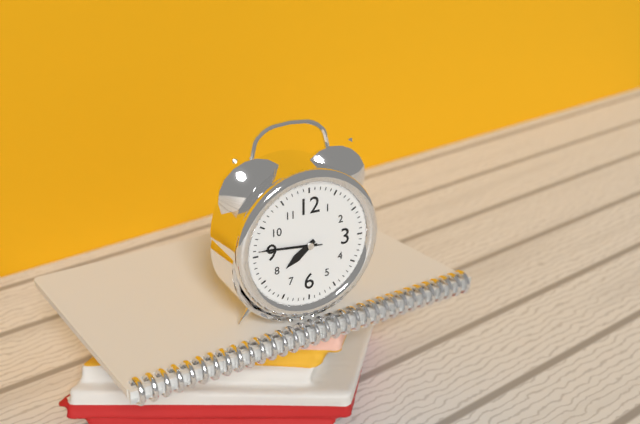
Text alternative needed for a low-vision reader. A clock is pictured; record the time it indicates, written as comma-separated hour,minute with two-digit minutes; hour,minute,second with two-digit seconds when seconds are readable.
7,46,46
